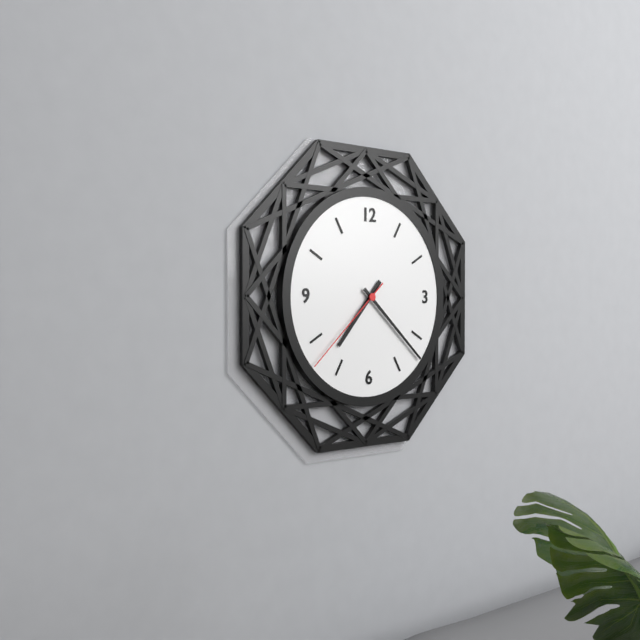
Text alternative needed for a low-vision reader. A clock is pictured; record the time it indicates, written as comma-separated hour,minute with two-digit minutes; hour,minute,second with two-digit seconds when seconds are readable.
7,22,38
